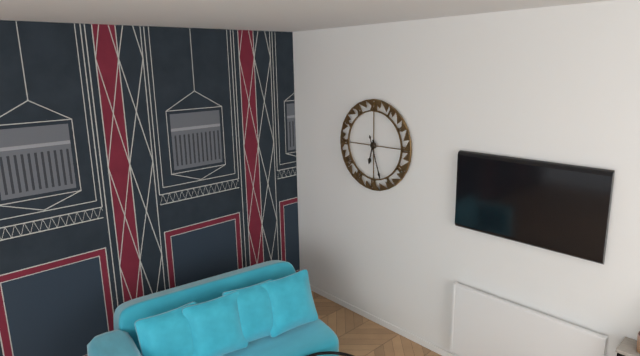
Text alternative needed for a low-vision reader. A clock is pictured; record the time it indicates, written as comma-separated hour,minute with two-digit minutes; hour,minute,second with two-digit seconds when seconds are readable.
6,27
